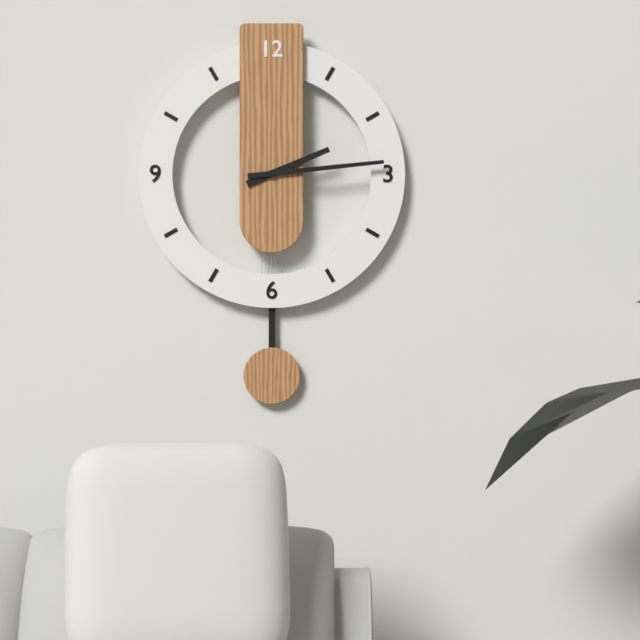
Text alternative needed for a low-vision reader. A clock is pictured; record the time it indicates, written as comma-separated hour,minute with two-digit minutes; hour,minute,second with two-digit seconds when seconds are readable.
2,14
